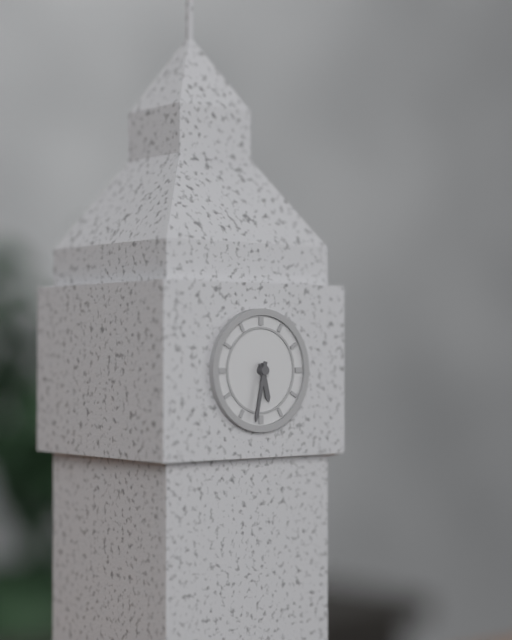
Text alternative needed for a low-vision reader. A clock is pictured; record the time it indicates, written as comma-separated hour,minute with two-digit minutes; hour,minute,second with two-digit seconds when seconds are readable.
5,32
